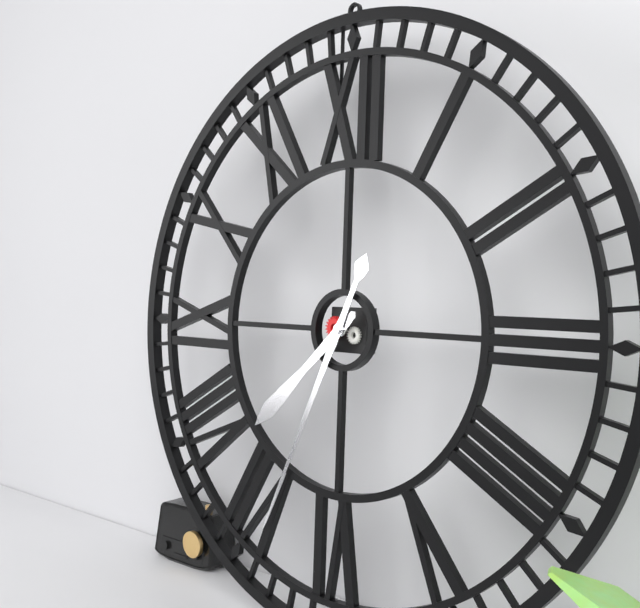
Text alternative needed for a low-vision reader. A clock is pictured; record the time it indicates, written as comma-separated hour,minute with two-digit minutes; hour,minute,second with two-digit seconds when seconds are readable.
7,34
